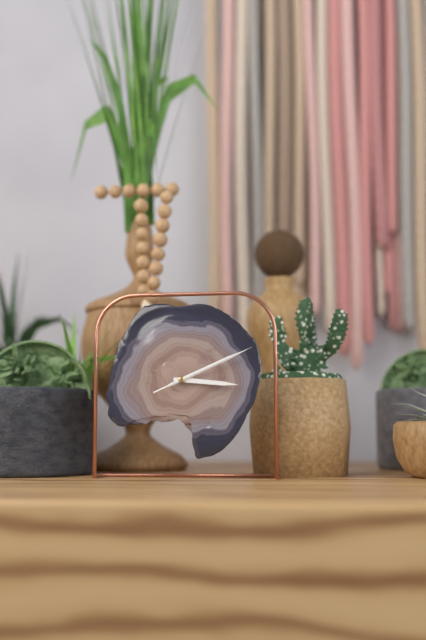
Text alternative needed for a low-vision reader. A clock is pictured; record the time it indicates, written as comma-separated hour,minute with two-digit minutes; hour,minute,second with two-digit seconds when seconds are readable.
3,11,11
